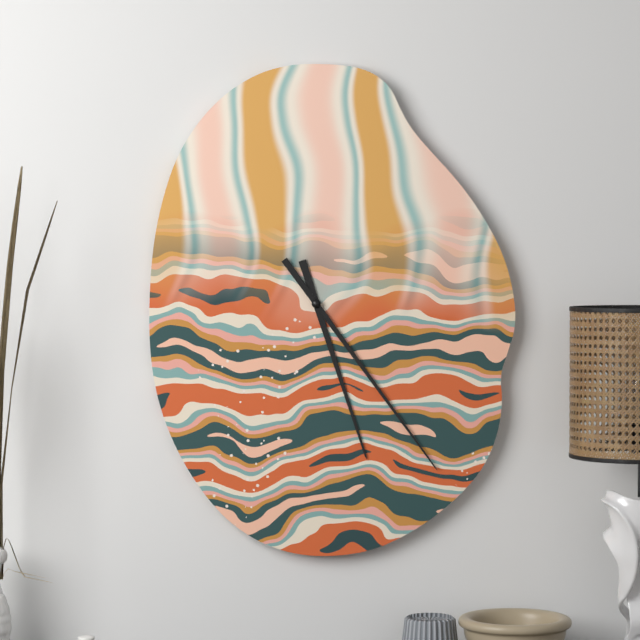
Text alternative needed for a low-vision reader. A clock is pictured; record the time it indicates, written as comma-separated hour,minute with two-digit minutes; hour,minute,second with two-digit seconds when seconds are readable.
5,24
